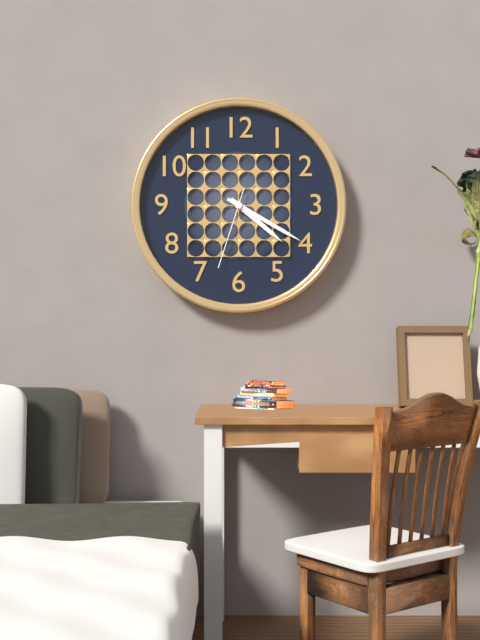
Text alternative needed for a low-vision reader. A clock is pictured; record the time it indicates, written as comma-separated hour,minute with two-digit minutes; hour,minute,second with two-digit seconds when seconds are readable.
4,20,33
